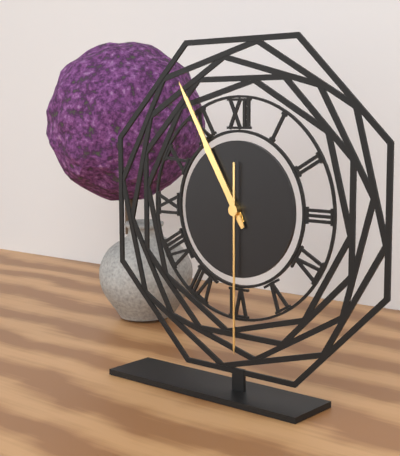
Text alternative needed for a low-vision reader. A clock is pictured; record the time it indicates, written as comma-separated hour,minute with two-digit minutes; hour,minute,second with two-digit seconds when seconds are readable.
10,55,30
